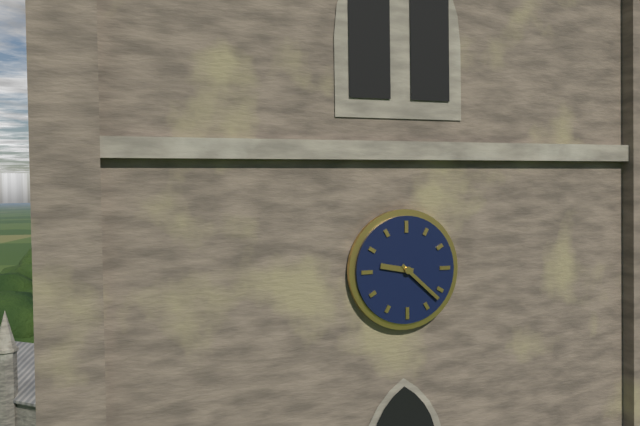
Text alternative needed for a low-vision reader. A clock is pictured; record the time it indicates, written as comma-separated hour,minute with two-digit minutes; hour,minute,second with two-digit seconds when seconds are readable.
9,22
